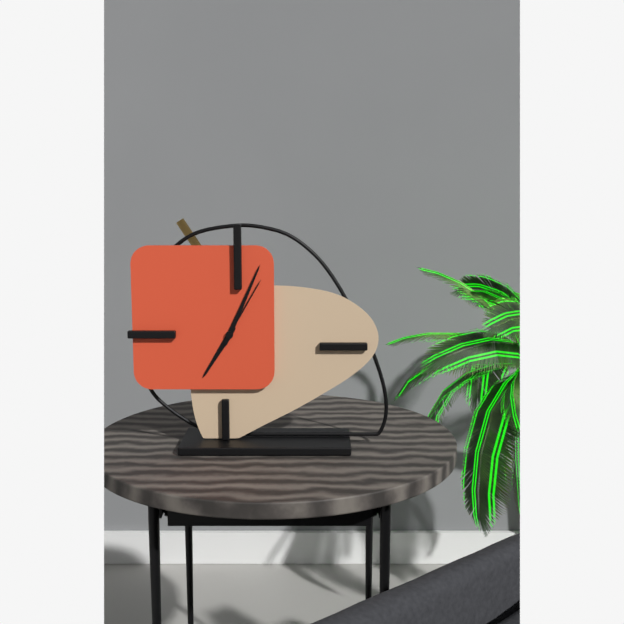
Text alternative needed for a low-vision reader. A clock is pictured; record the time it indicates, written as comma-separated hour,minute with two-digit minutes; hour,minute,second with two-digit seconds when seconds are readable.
7,04,05
